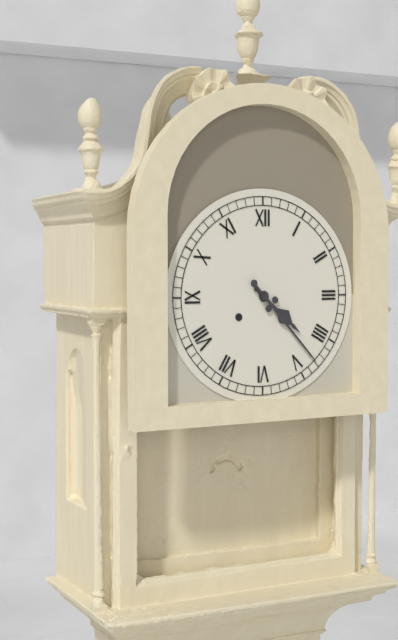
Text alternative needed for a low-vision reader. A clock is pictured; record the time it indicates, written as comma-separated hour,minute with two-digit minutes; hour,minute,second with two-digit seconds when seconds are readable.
4,23
